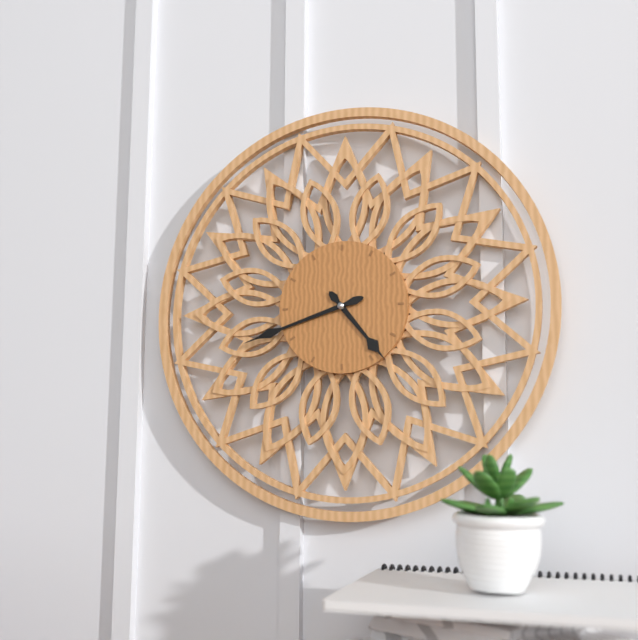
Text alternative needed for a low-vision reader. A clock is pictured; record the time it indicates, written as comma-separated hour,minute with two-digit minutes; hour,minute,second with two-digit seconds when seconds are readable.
4,42
